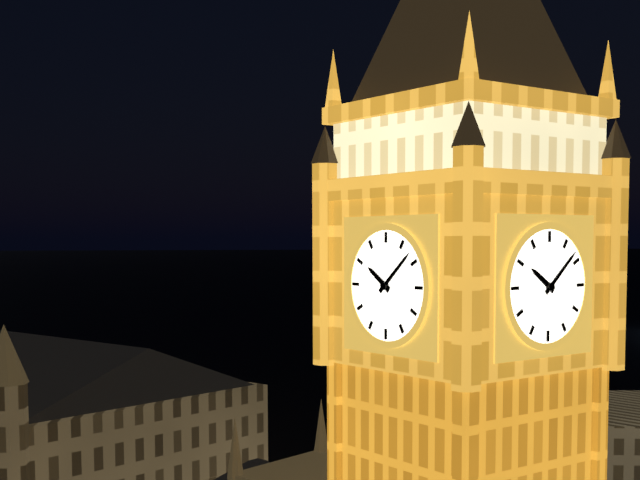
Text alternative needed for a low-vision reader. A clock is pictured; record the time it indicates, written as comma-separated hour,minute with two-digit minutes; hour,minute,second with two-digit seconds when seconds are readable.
10,08
